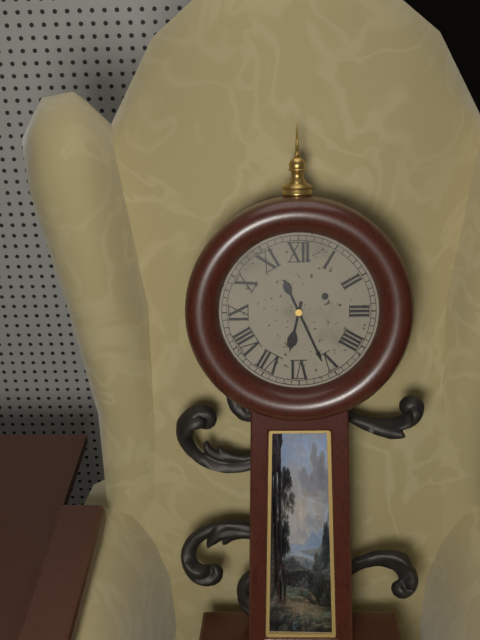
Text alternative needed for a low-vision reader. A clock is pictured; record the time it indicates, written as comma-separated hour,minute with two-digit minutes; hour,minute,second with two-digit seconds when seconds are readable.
6,26
